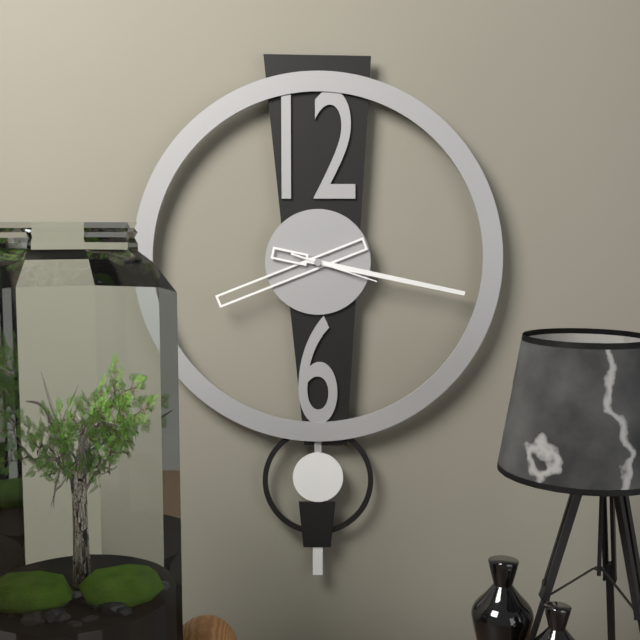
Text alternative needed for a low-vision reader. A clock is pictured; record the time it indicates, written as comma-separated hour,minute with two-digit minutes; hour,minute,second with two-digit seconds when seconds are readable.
8,17,18
